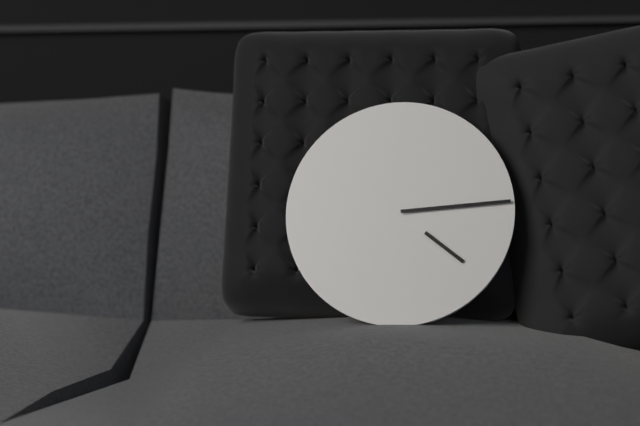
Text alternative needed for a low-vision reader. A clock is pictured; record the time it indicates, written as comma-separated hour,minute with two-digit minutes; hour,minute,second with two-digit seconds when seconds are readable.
4,14
